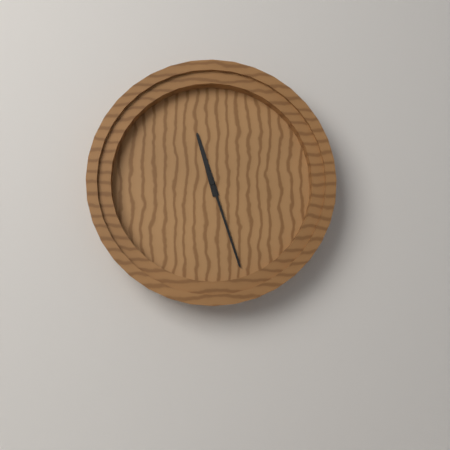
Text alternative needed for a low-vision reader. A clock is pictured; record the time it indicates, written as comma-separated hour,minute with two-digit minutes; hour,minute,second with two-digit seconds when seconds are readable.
11,27
